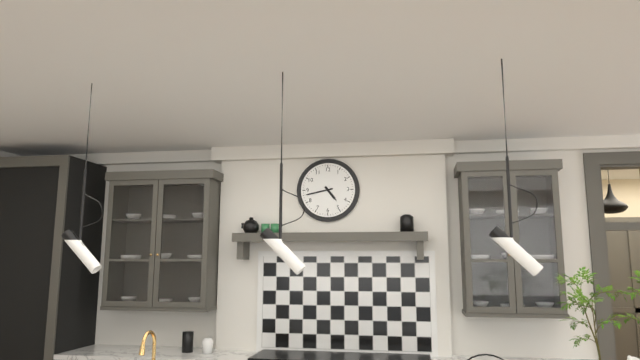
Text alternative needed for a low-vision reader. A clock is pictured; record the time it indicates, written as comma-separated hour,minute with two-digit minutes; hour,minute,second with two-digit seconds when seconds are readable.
4,43
